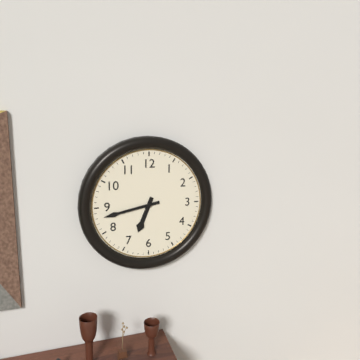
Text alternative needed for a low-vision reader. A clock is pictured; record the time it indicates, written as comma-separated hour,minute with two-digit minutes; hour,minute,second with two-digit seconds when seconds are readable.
6,43
